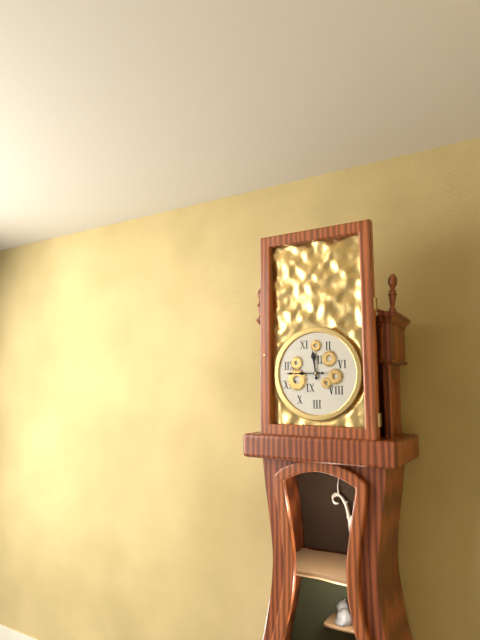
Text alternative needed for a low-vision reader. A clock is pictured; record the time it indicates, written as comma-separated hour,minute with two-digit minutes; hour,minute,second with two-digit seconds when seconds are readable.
11,45
